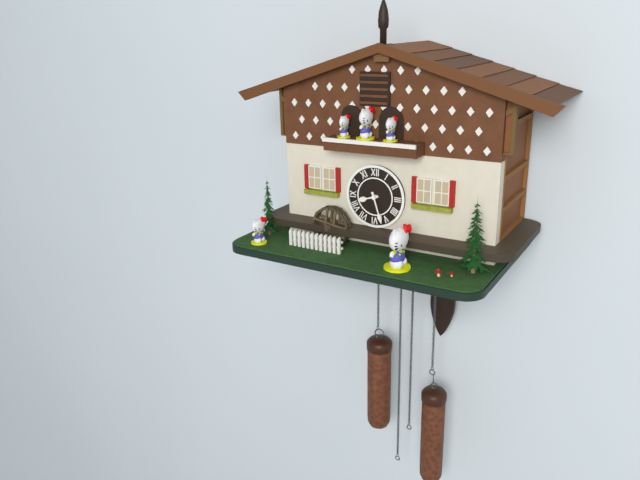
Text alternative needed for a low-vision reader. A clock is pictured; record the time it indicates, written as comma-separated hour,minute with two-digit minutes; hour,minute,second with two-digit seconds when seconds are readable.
8,27
